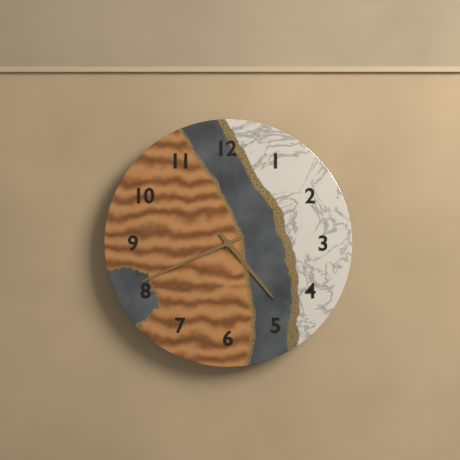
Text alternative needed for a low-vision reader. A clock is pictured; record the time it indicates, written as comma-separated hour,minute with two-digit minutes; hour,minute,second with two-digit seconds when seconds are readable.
4,41
